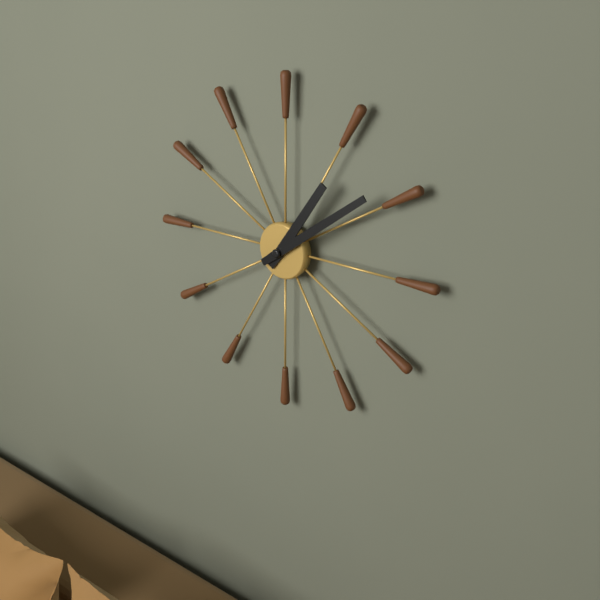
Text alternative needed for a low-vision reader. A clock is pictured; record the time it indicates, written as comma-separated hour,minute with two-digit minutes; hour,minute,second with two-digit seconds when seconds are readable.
1,09
